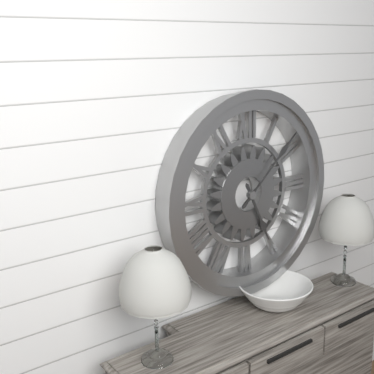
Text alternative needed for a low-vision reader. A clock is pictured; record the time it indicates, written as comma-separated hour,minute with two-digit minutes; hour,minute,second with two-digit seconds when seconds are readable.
5,08
